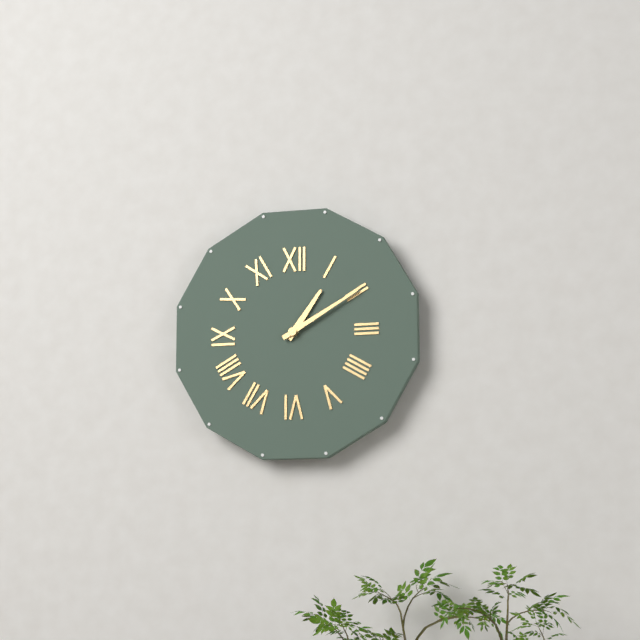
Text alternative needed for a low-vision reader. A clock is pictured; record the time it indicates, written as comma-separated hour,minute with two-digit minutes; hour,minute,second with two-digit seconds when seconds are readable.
1,10
